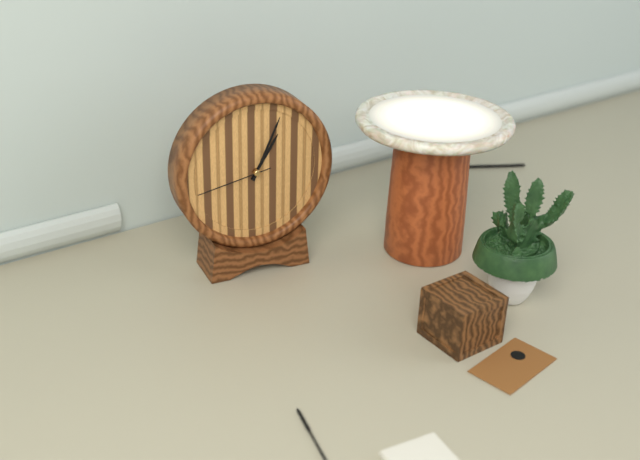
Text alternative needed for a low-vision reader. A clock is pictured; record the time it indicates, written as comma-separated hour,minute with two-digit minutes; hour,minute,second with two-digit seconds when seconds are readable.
1,04,43
